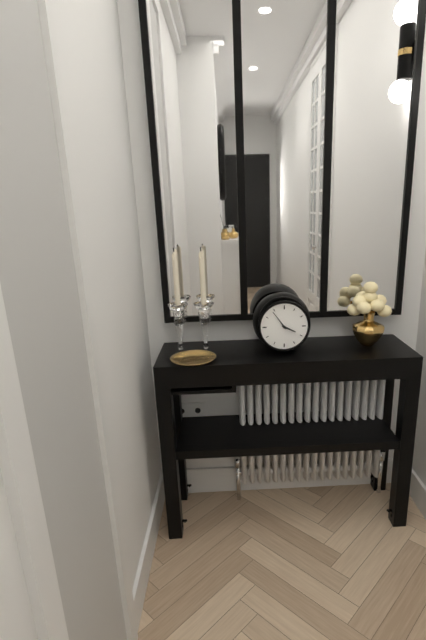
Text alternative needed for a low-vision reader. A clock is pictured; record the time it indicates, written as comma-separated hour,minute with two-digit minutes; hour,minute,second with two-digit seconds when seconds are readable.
3,54
